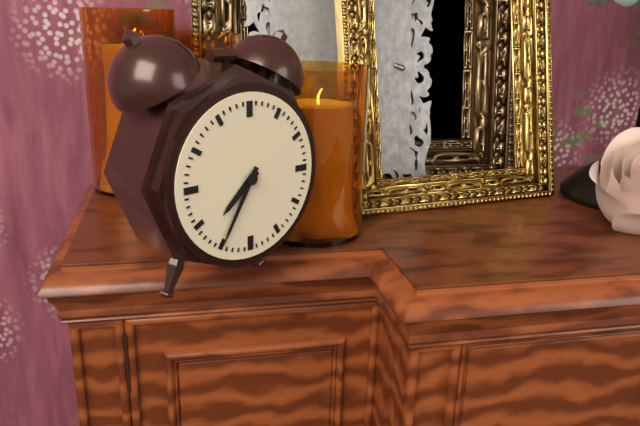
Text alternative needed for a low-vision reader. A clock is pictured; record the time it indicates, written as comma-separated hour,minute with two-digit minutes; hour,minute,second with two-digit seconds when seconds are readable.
7,35
